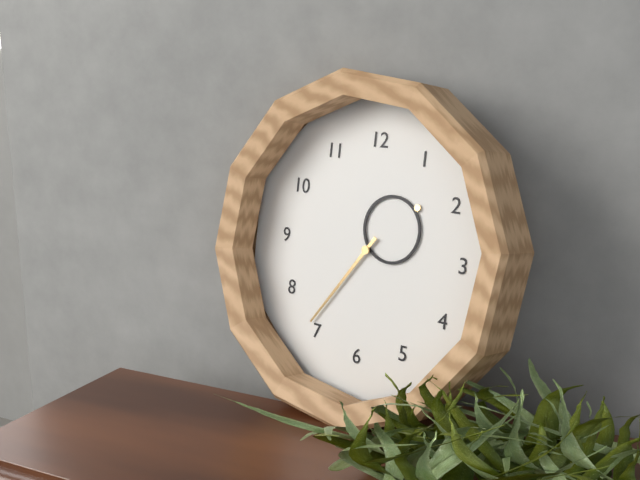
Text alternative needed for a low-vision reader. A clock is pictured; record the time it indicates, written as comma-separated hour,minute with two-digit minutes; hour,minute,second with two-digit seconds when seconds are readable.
1,36
